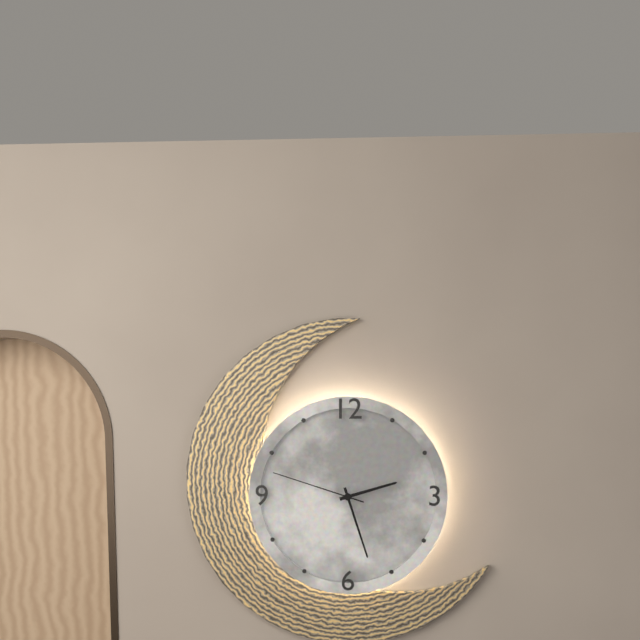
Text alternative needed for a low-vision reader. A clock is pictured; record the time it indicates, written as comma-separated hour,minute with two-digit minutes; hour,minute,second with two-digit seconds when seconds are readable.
2,27,48
